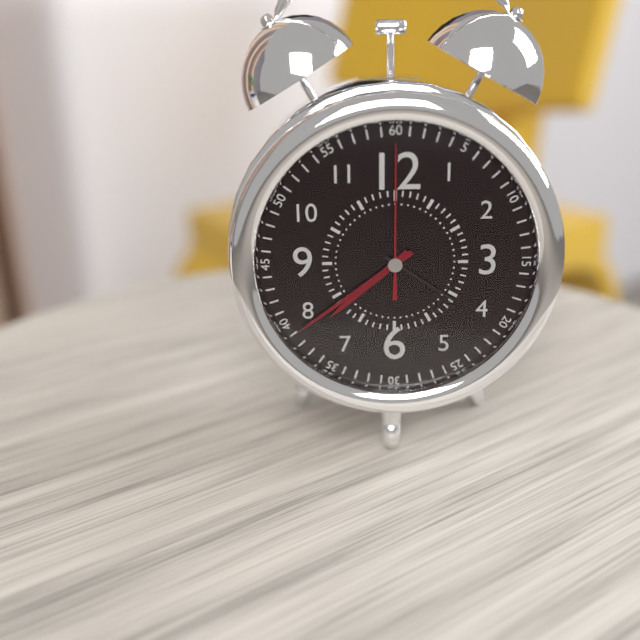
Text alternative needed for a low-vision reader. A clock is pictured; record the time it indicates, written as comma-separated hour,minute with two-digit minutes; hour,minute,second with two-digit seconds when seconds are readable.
7,39,00
